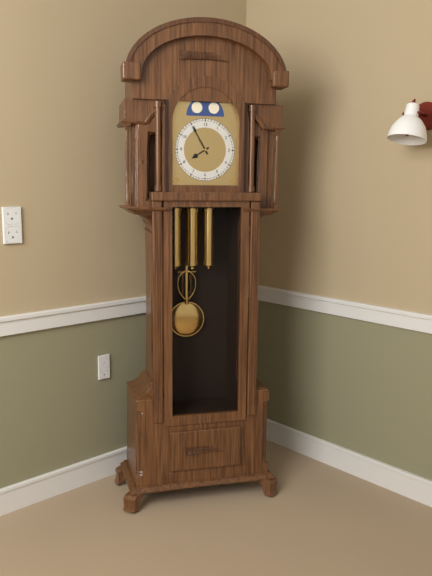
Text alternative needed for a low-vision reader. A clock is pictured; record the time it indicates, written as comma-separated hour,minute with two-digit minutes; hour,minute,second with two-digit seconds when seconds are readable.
7,55
